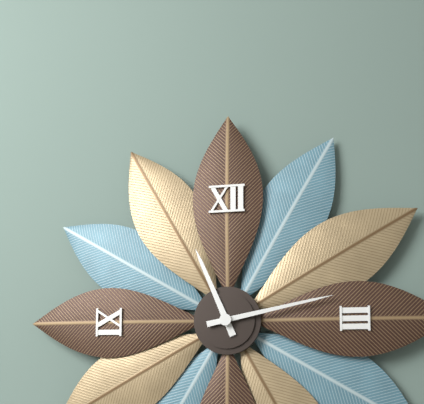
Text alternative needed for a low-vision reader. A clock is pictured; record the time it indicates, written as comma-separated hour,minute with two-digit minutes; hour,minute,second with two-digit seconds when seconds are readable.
11,13
